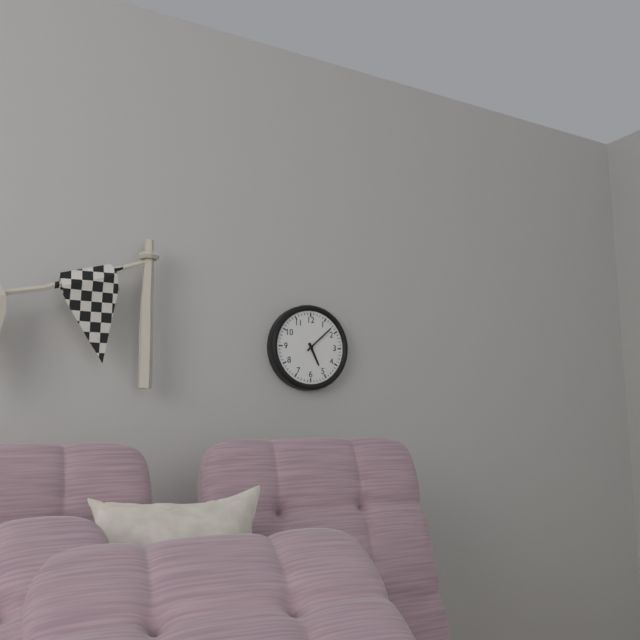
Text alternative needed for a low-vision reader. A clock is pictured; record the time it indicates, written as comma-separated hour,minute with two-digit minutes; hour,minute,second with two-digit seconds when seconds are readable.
5,08
